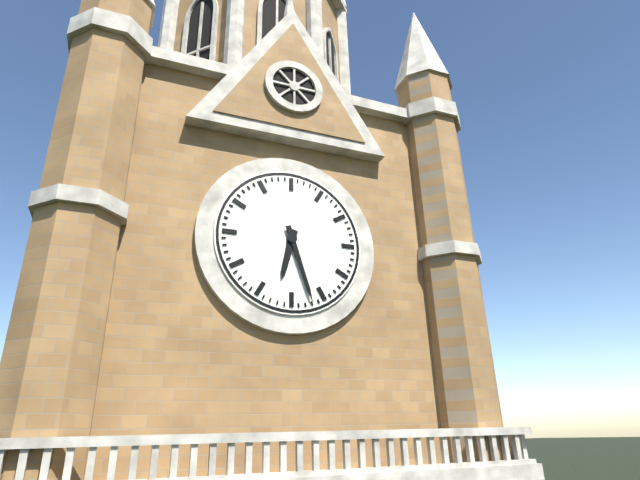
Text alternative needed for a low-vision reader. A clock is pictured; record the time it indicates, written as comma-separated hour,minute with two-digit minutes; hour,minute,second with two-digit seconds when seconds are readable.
6,27
